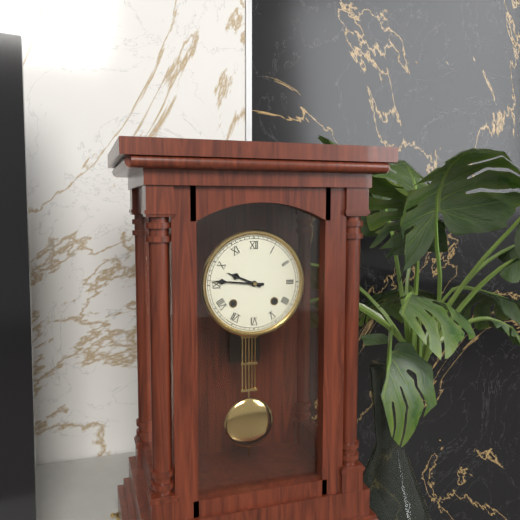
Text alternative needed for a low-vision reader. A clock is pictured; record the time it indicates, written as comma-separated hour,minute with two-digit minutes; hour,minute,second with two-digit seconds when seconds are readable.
9,46
